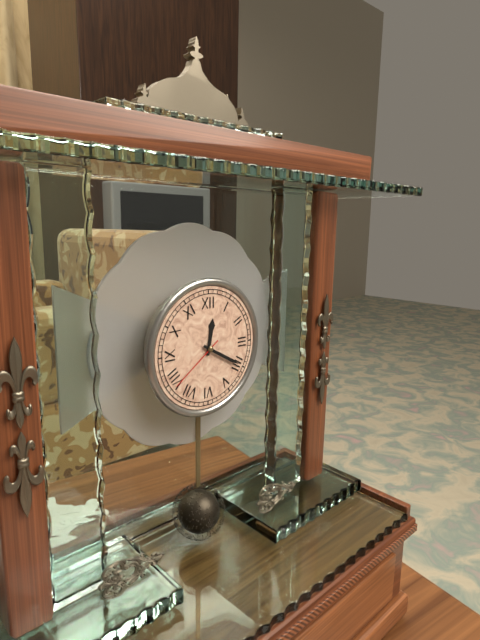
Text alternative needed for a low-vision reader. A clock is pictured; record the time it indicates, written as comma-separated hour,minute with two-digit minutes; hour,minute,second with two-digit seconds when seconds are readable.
12,20,39
